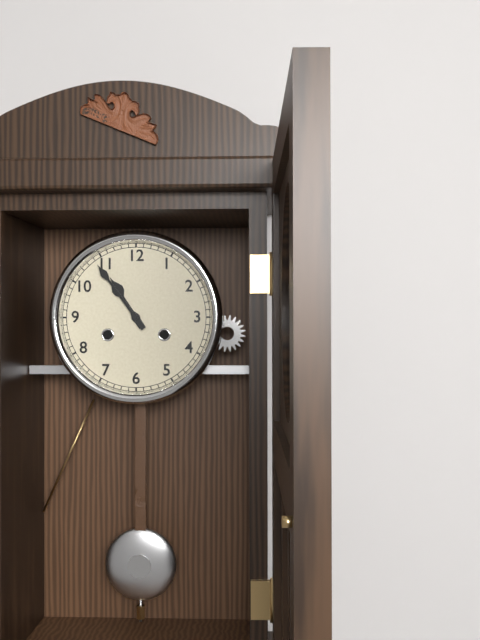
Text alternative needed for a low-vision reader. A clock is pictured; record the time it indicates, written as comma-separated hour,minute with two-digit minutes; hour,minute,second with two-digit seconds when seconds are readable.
10,54
